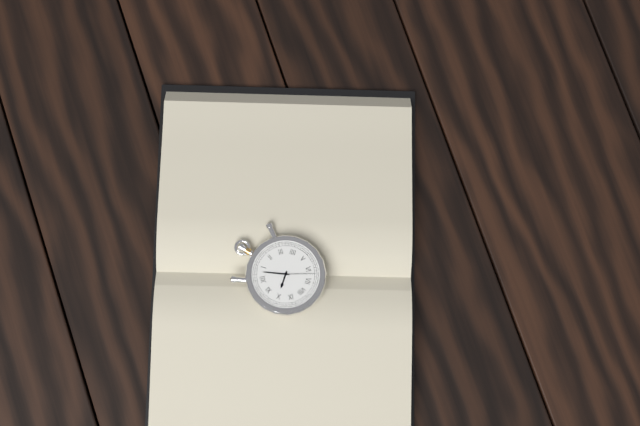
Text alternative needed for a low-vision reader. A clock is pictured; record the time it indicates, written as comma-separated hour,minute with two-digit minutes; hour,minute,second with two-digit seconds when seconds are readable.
10,03
